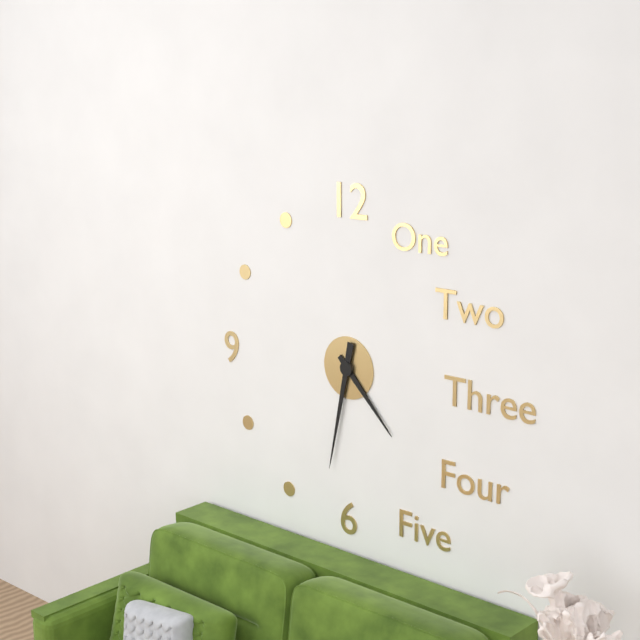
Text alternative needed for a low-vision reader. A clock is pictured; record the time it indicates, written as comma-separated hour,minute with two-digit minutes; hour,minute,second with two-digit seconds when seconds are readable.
4,32
